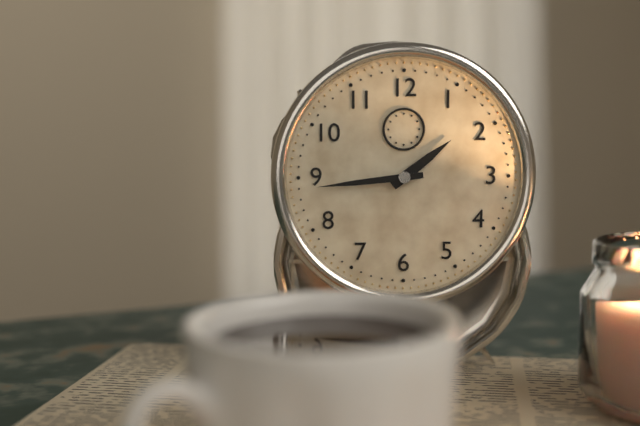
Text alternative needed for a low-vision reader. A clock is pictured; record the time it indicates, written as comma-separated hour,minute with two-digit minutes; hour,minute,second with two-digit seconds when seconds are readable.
1,44
